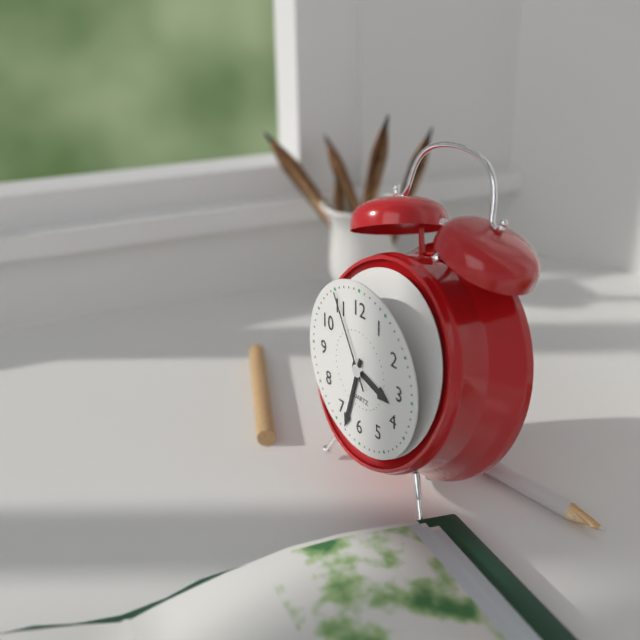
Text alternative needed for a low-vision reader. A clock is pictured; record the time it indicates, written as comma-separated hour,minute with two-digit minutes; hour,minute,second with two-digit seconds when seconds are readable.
3,33,55
